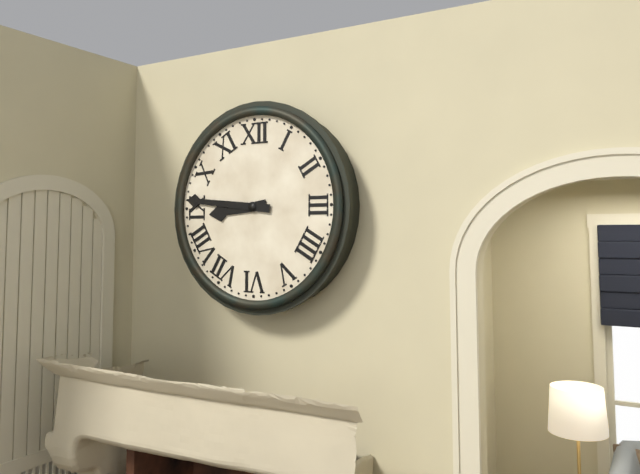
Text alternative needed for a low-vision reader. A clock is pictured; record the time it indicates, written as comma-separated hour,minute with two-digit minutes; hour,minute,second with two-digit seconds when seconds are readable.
8,46
